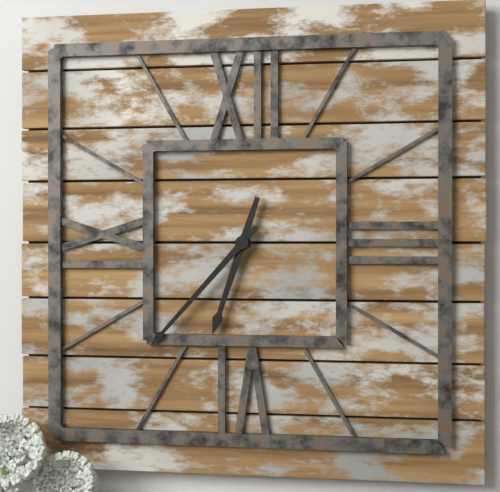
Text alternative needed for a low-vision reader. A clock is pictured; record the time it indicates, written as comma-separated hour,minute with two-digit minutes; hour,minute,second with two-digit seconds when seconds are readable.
6,37
